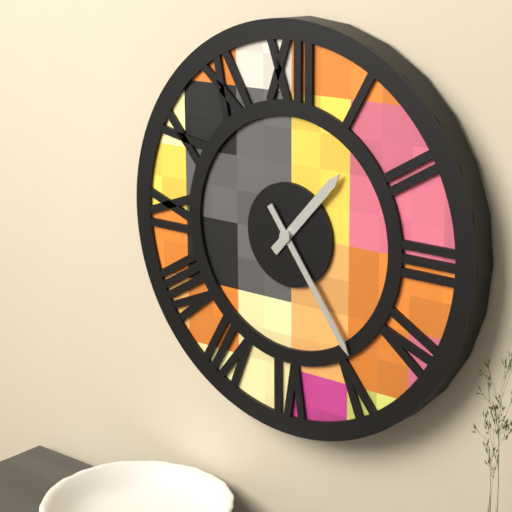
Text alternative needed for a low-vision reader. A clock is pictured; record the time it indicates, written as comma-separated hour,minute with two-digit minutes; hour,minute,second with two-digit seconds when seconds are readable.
1,24
